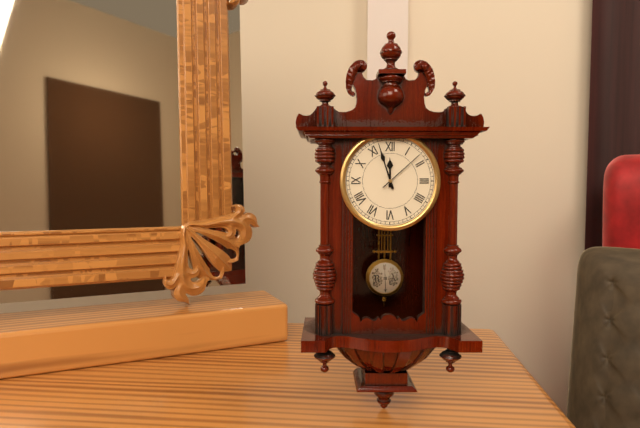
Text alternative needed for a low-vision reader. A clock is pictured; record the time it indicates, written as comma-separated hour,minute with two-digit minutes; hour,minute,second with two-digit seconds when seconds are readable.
11,57,08
